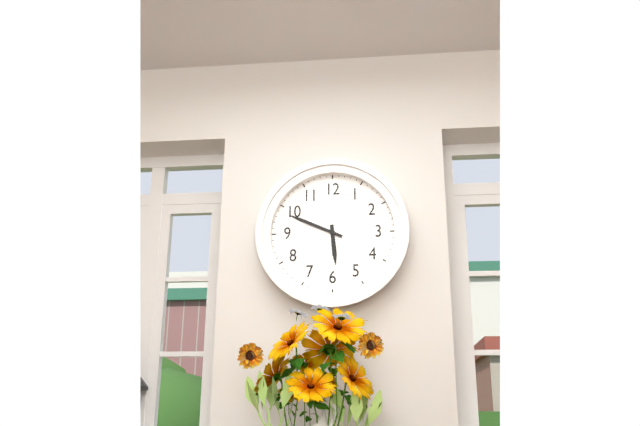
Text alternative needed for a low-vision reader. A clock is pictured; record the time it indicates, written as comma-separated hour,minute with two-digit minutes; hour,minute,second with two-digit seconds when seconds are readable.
5,49
